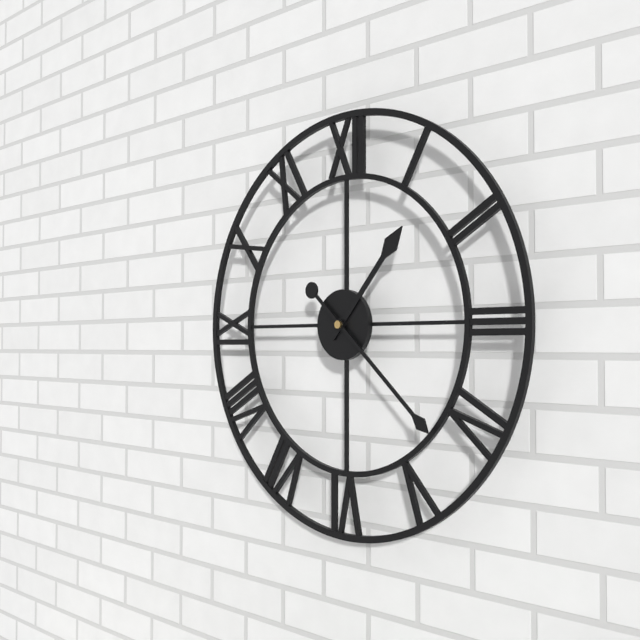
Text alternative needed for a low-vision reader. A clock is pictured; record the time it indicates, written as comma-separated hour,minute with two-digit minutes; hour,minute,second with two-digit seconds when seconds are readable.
1,22
